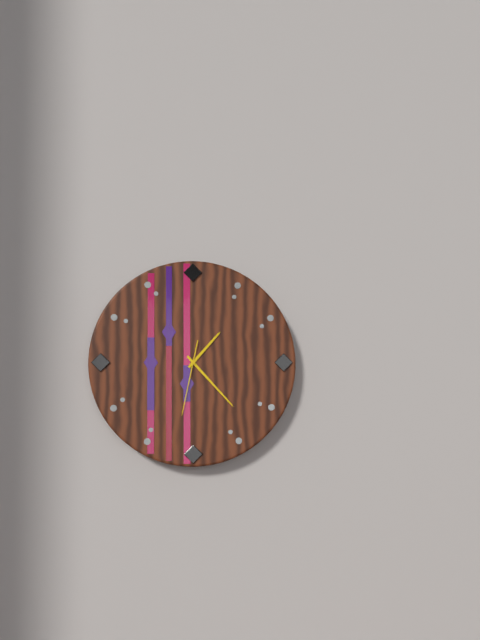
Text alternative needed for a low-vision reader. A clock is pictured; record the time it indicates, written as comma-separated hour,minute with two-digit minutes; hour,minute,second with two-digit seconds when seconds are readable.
1,23,32
